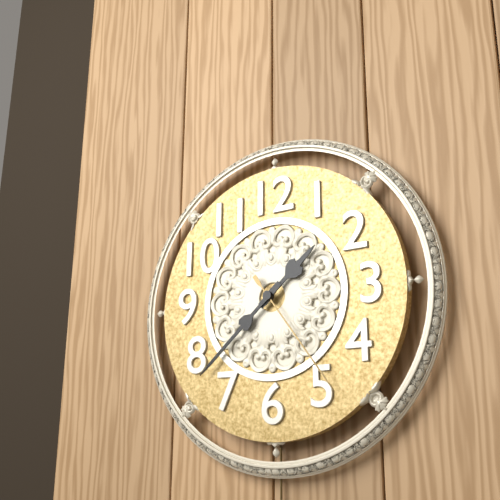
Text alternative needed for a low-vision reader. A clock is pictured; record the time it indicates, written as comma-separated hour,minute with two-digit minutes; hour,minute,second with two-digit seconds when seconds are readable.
1,38,24
